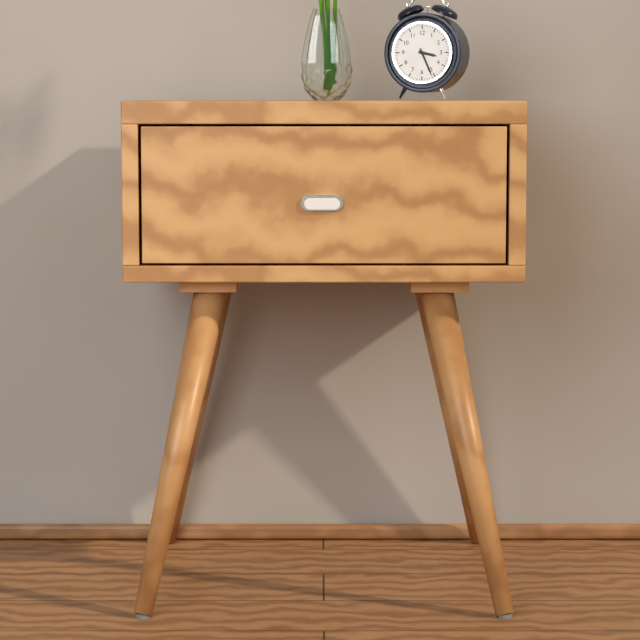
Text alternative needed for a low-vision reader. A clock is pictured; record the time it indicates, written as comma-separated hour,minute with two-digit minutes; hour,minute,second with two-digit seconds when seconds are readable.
3,26
